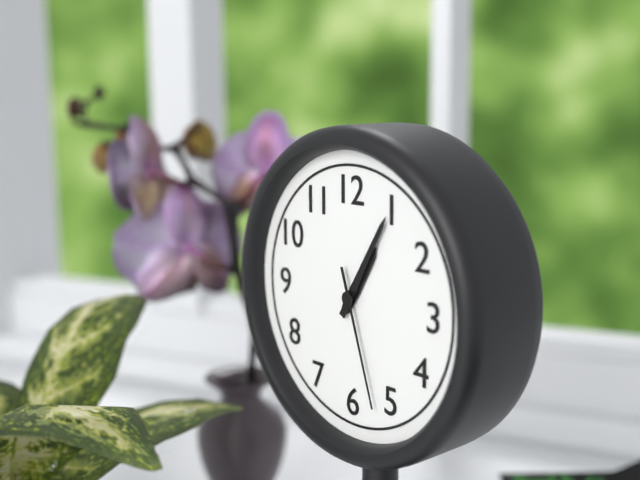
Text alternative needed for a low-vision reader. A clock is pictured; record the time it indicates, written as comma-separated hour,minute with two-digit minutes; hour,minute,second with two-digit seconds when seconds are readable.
1,05,27
